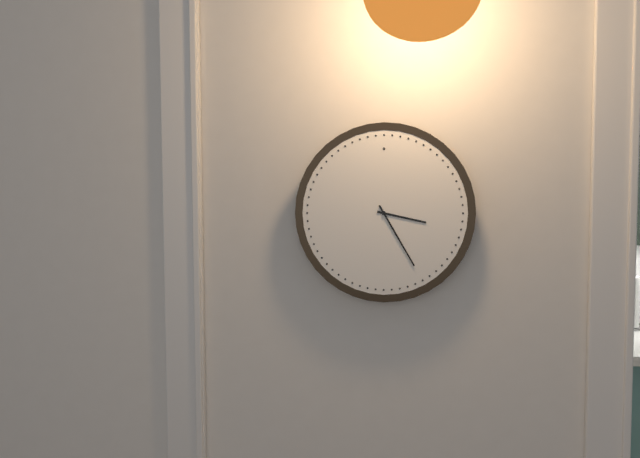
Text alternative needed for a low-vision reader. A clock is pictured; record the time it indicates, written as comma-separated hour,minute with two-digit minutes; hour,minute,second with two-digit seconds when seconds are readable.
3,25
